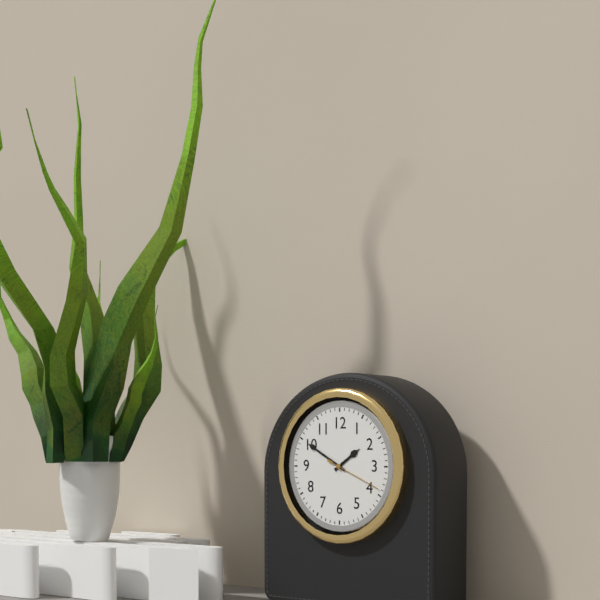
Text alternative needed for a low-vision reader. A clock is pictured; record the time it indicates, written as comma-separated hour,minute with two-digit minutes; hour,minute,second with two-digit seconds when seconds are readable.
1,50,19
